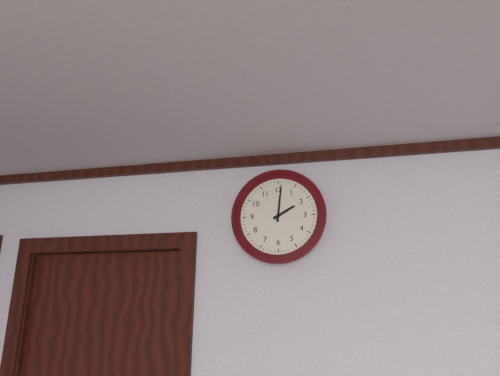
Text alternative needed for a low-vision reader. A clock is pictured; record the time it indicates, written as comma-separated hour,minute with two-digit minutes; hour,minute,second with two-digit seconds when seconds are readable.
2,01
